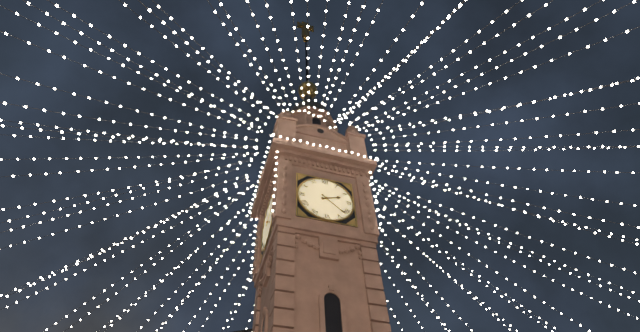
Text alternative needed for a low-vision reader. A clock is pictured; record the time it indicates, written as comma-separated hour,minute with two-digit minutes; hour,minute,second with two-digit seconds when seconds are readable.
2,22
